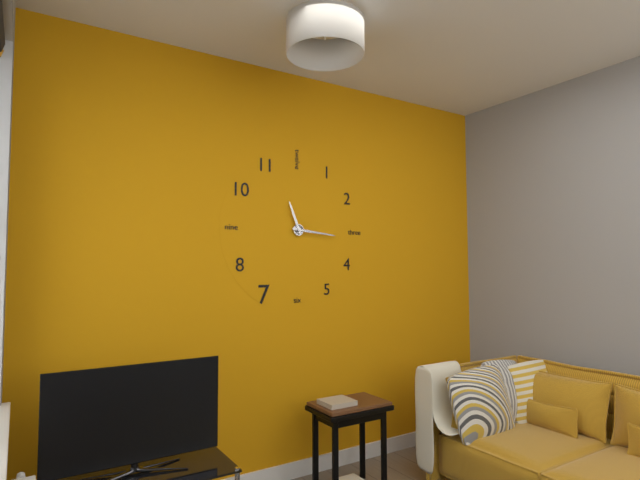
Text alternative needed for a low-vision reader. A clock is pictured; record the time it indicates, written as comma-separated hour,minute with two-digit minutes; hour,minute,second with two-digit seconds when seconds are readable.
11,16
